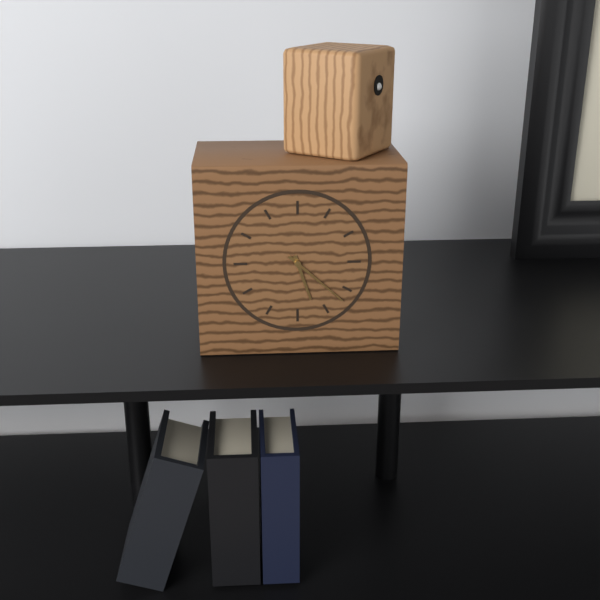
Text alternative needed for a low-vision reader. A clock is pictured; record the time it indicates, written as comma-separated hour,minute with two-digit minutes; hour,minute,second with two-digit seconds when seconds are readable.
5,22
